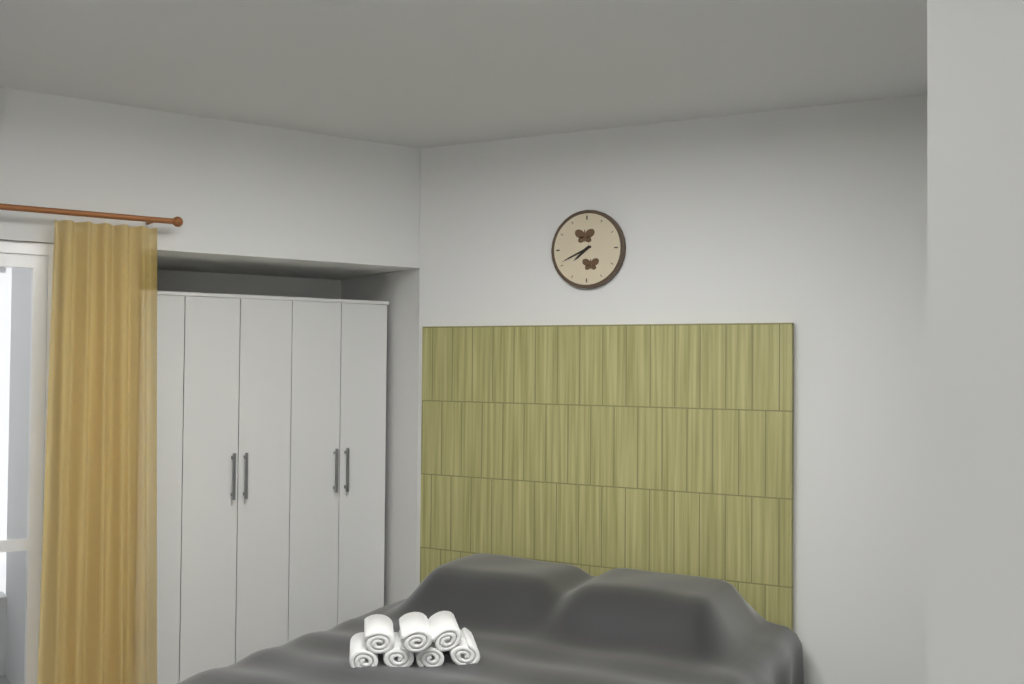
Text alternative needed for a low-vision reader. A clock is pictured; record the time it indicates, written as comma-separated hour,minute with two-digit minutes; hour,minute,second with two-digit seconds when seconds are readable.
7,41
